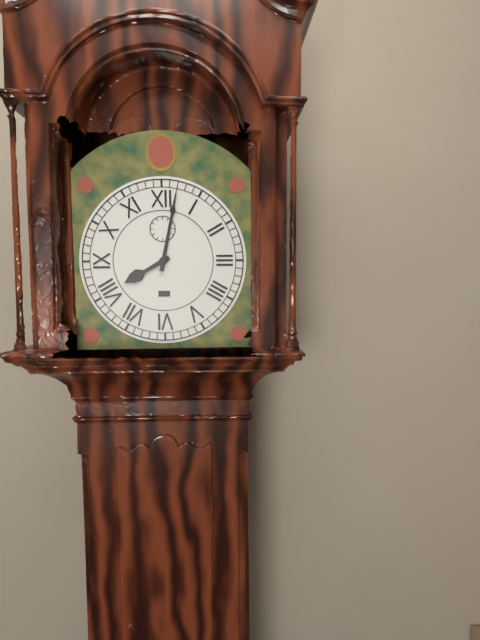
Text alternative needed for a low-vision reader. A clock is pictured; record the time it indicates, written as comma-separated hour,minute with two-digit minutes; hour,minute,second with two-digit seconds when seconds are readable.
8,02
